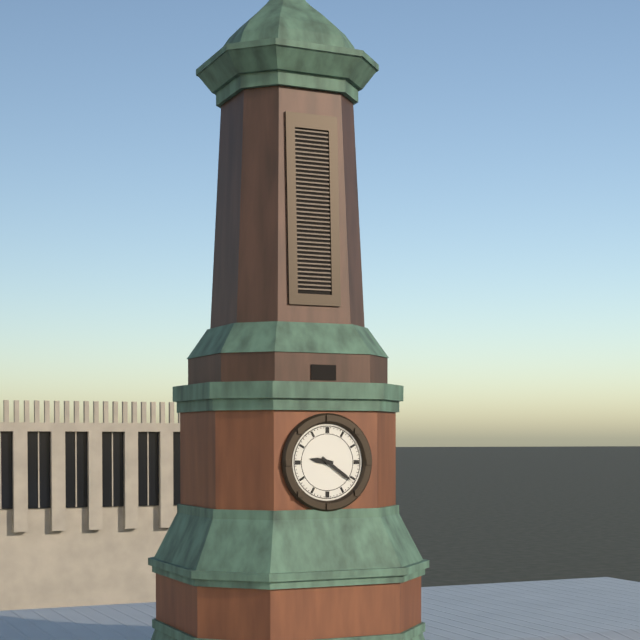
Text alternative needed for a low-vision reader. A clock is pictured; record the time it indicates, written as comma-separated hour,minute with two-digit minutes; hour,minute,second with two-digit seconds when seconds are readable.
9,21
